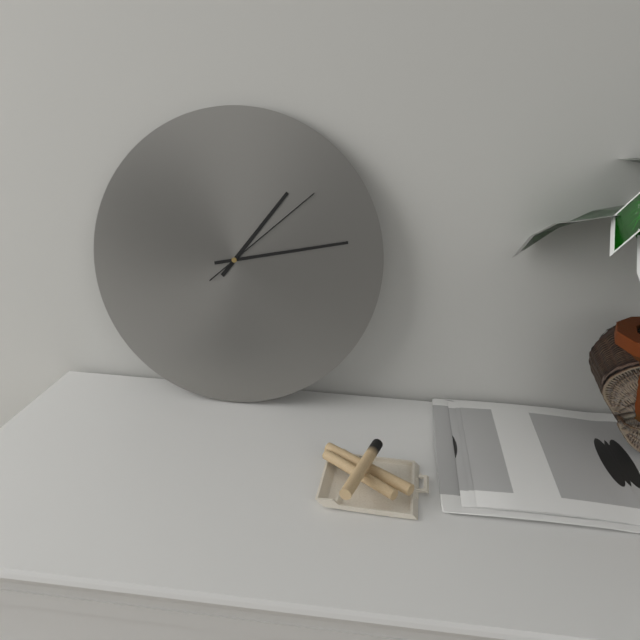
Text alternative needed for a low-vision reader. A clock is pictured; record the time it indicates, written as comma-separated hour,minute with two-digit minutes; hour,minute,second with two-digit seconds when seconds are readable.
1,13,08
